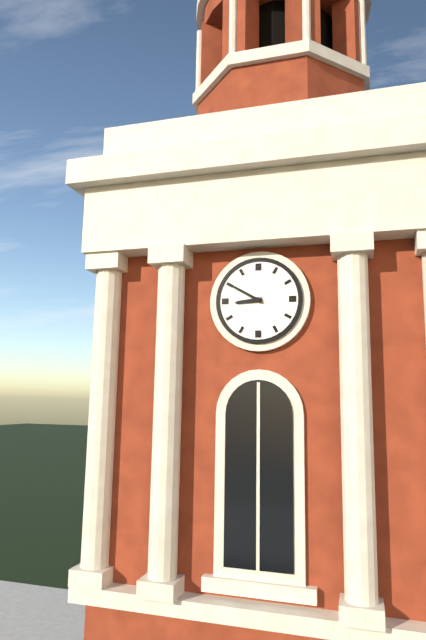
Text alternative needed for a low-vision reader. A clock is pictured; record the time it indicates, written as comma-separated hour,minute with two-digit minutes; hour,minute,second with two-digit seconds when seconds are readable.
8,50
